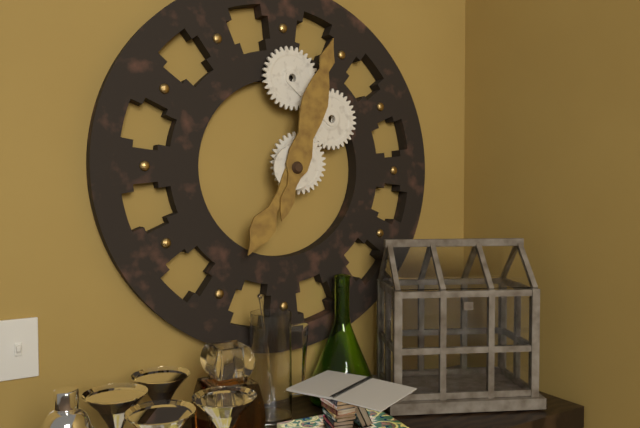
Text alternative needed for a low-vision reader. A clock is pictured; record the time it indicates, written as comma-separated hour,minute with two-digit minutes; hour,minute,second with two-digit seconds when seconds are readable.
7,03
